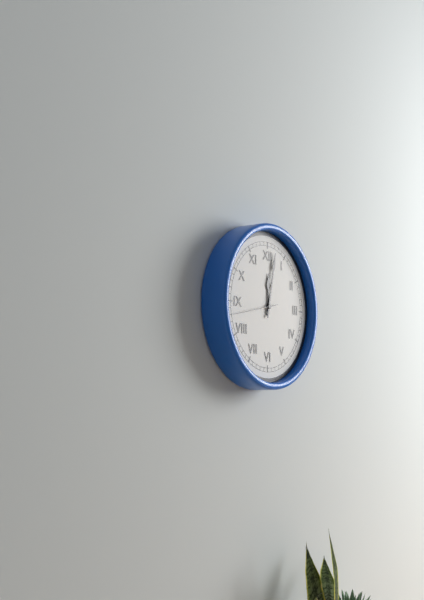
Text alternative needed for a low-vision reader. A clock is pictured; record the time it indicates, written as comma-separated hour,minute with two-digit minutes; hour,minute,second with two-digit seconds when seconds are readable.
12,02
